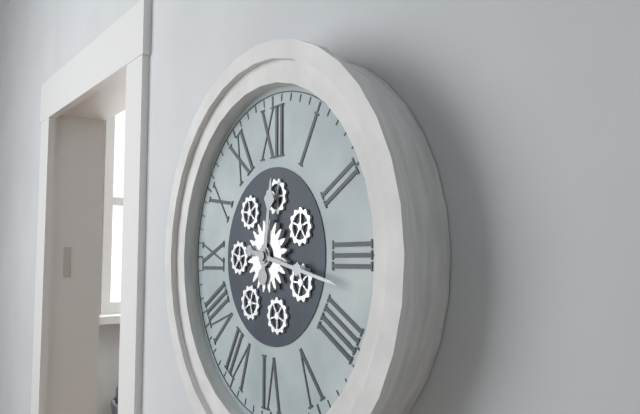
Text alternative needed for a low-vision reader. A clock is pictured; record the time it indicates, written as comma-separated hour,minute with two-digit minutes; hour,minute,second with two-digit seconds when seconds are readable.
12,17
